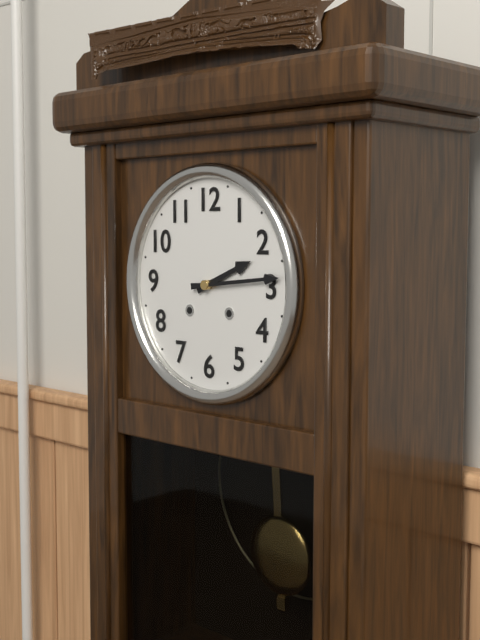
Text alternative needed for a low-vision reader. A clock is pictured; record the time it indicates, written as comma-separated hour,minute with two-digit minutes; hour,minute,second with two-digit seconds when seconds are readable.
2,14
